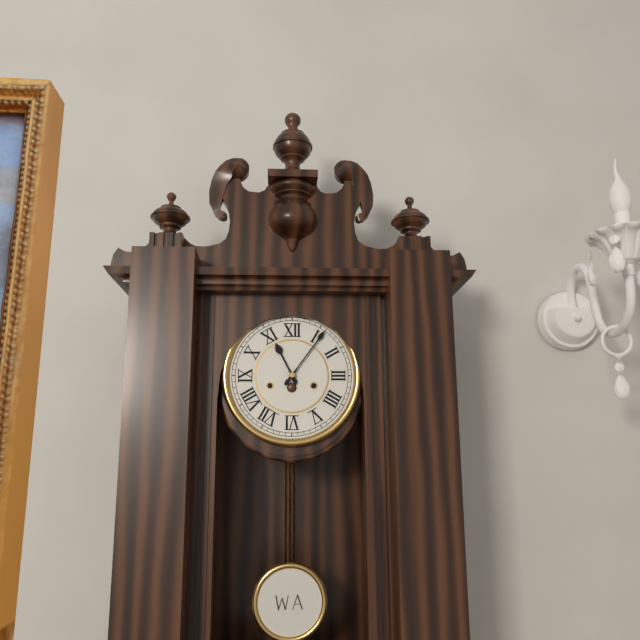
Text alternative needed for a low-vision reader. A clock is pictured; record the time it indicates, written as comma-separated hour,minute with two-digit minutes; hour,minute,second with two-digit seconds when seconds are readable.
11,06
